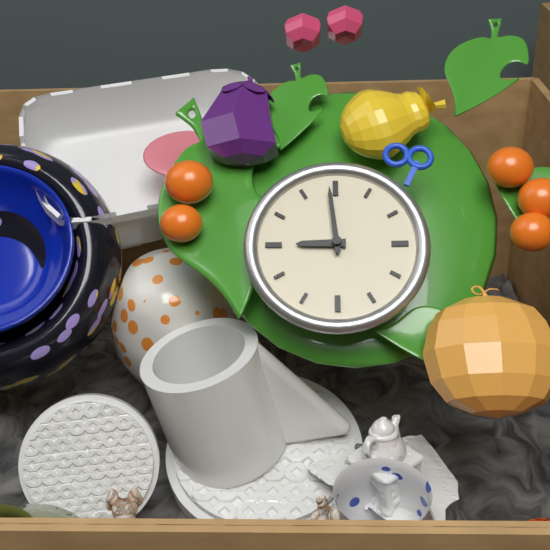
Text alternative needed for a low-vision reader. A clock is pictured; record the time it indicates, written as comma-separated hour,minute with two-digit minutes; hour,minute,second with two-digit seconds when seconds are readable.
8,59
